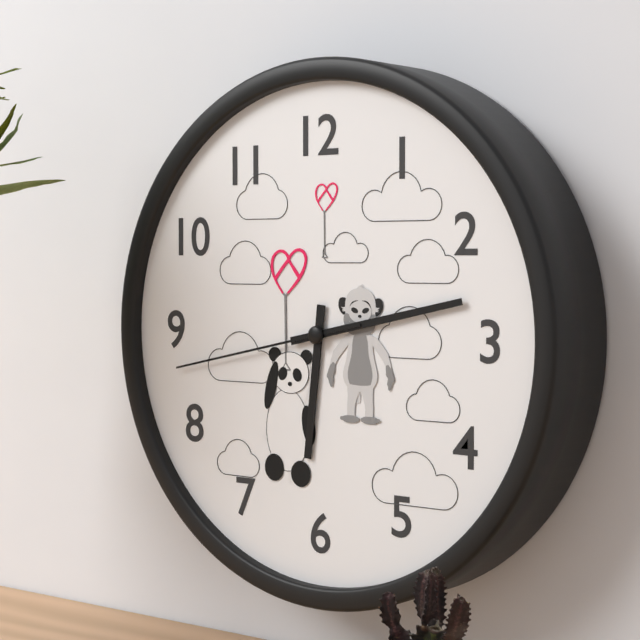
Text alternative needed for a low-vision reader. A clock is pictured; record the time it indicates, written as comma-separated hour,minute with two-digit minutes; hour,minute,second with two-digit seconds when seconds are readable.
6,13,43
